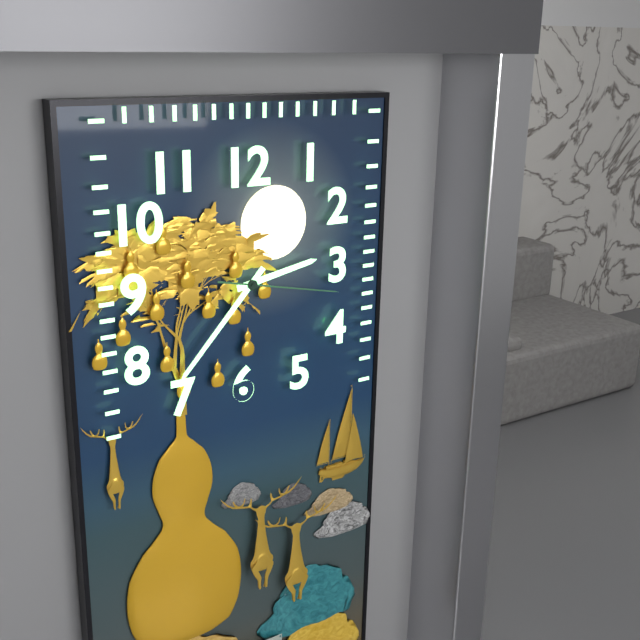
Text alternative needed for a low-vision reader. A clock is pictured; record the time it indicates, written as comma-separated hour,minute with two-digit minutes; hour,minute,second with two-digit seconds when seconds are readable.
2,37,17
